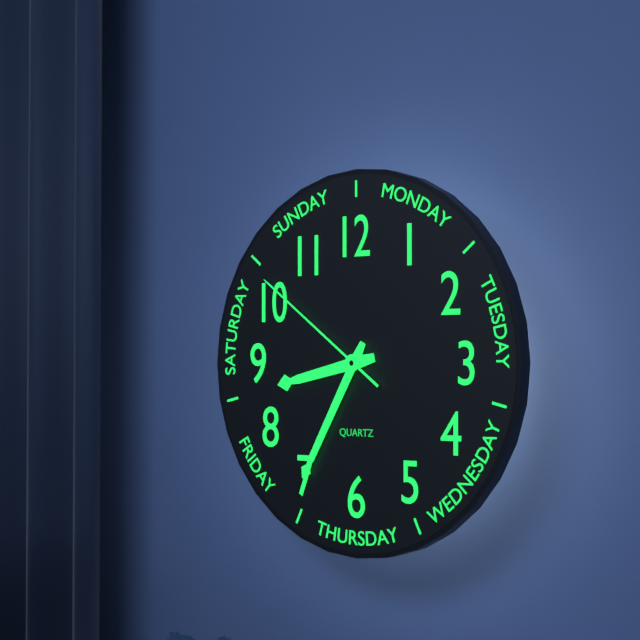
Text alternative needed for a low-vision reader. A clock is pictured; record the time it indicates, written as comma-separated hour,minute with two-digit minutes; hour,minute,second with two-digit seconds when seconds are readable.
8,35,51
